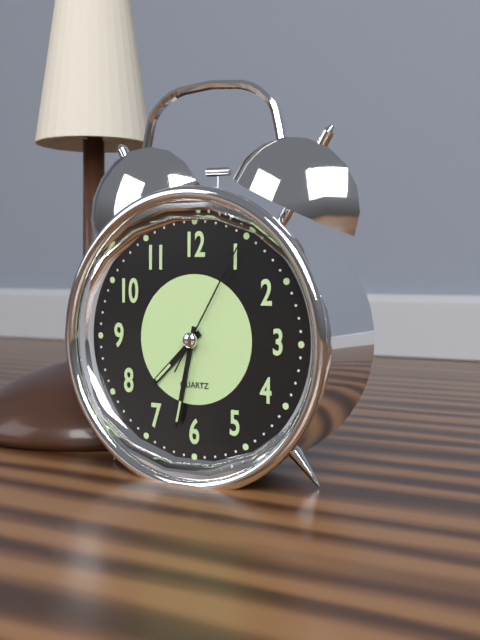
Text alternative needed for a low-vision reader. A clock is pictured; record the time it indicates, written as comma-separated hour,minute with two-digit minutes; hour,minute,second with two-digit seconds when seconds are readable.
7,32,05
